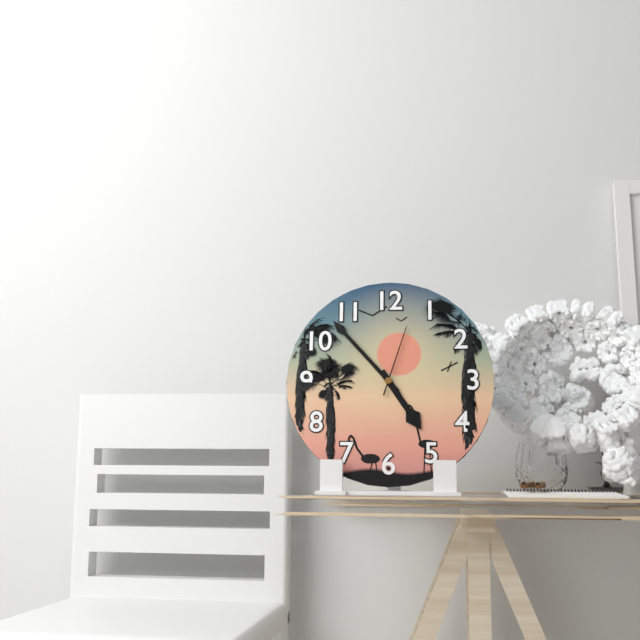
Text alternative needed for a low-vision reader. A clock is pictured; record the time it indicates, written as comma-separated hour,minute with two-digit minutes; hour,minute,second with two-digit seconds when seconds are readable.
4,53,03
